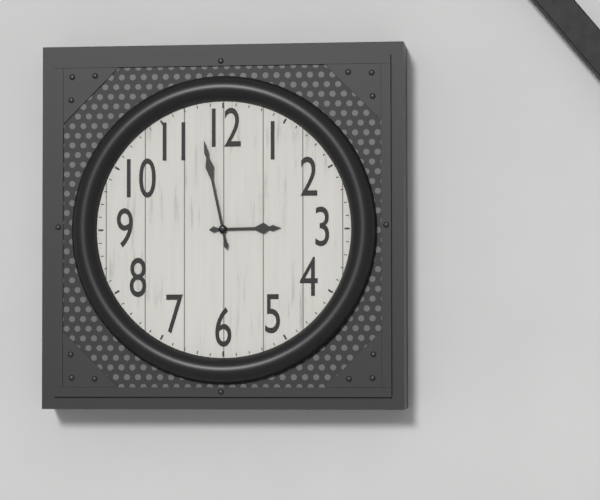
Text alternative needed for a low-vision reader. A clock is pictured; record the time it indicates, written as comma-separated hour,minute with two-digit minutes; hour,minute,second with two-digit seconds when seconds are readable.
2,58
